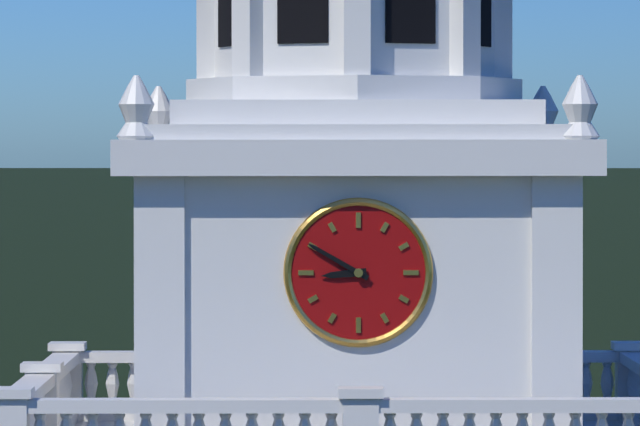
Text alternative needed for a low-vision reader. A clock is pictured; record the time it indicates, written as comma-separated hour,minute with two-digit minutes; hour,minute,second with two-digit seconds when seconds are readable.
8,50
